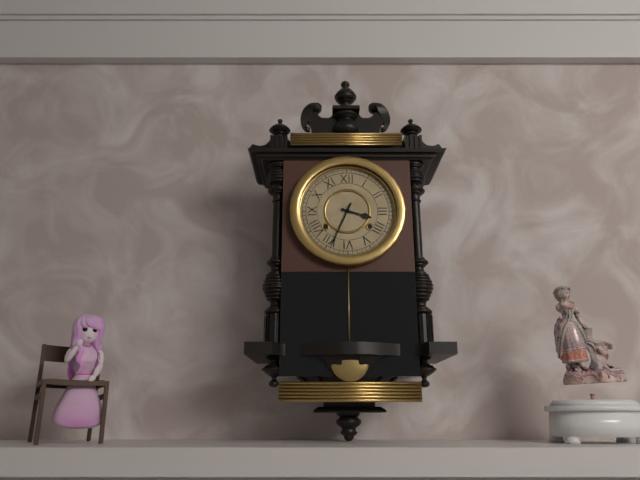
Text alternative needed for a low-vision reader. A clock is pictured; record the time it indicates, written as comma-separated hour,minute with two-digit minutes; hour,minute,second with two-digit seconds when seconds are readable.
3,34
